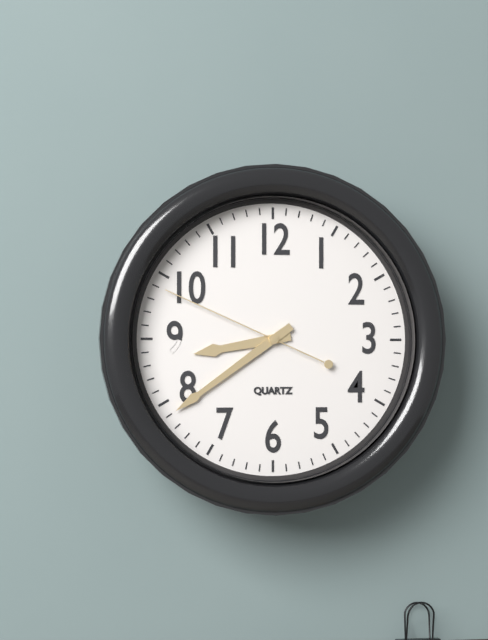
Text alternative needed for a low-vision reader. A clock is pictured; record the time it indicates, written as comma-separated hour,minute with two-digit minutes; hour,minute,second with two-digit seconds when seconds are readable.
8,39,49
